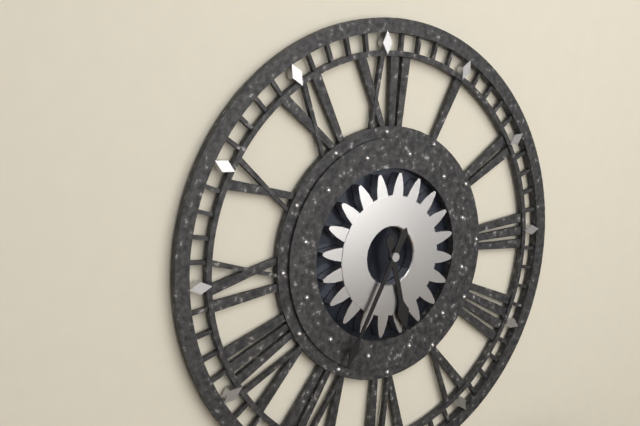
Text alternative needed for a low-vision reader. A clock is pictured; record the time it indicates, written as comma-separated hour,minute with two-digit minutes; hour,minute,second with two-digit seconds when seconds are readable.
5,35
